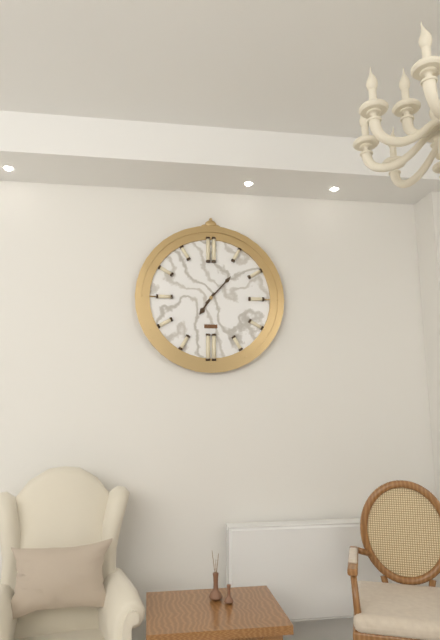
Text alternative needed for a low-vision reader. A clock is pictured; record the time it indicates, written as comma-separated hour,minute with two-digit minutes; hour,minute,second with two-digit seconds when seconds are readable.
7,07
